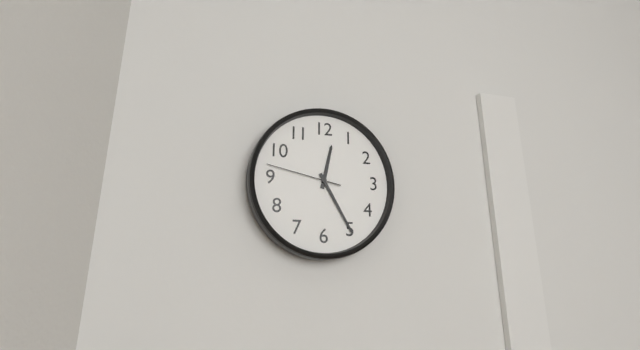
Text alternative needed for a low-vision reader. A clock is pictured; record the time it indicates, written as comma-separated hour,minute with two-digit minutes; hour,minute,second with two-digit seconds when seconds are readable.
12,25,47
